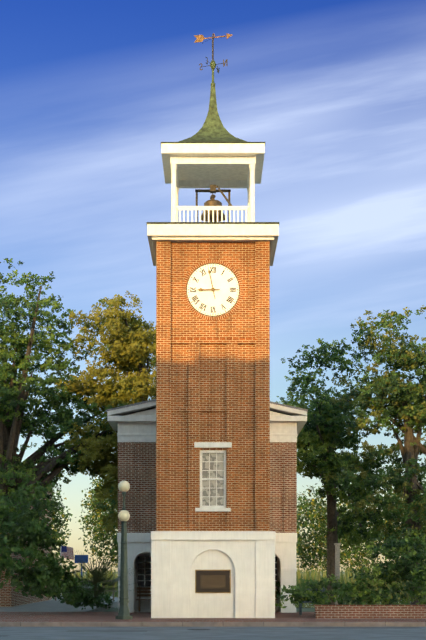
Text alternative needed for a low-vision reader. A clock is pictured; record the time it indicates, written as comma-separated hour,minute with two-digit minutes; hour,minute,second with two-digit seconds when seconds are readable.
8,58
